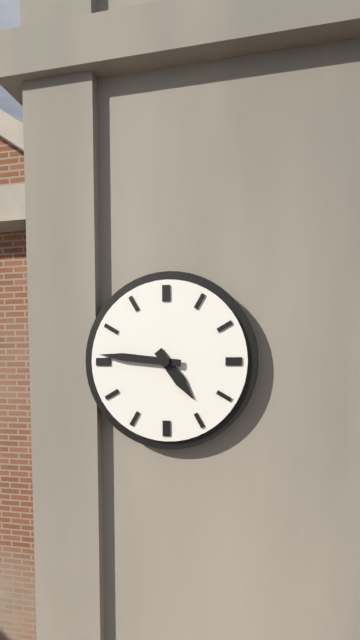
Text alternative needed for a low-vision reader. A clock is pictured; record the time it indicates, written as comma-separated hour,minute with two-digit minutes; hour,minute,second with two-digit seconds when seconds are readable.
4,46
